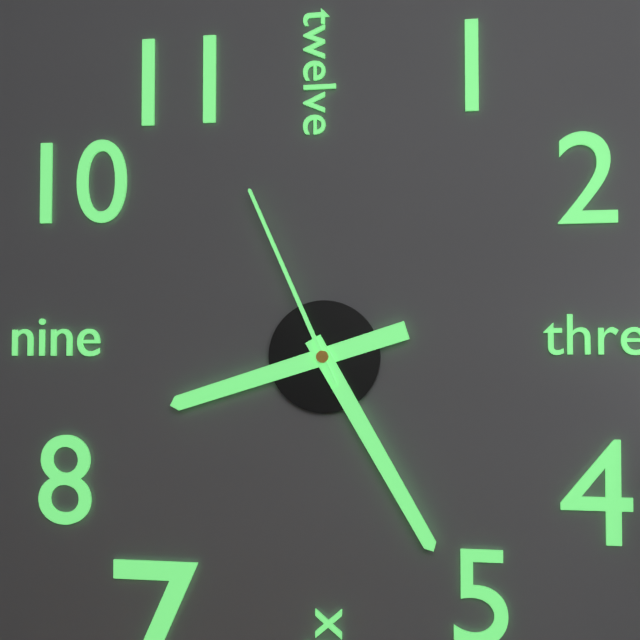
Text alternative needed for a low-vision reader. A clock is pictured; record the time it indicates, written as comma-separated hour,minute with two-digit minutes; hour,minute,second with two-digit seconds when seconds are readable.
8,25,56
